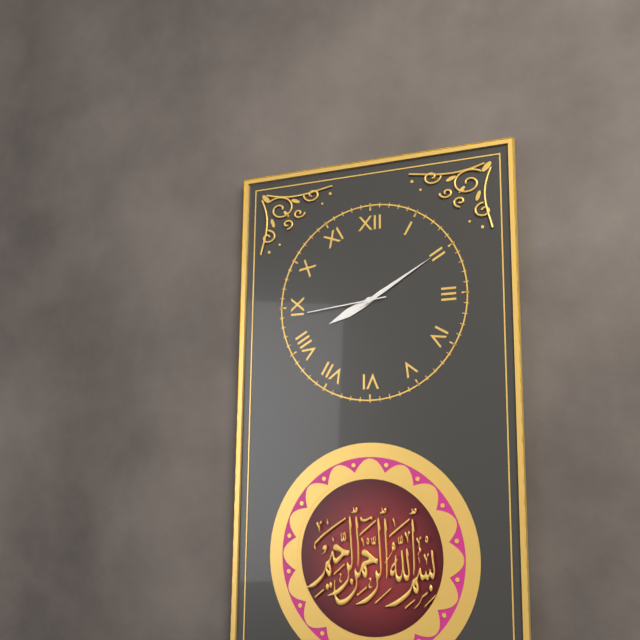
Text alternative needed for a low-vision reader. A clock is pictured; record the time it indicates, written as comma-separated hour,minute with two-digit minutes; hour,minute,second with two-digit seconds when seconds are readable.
8,10,44
